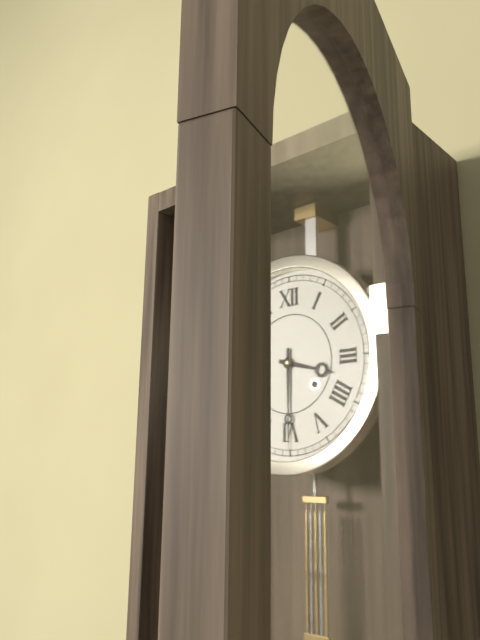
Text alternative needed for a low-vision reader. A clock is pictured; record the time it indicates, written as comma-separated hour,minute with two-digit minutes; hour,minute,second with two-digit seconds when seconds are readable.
3,30
